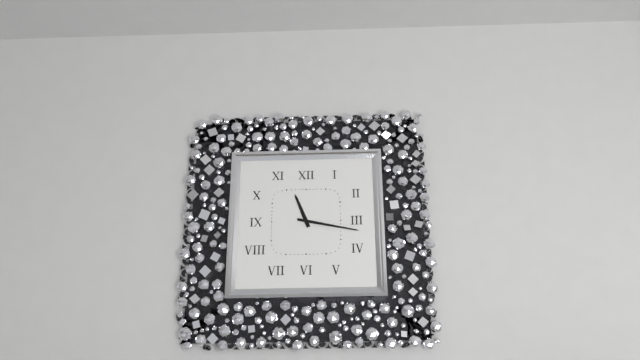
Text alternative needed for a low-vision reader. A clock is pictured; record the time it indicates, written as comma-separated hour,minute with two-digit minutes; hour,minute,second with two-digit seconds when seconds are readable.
11,17
